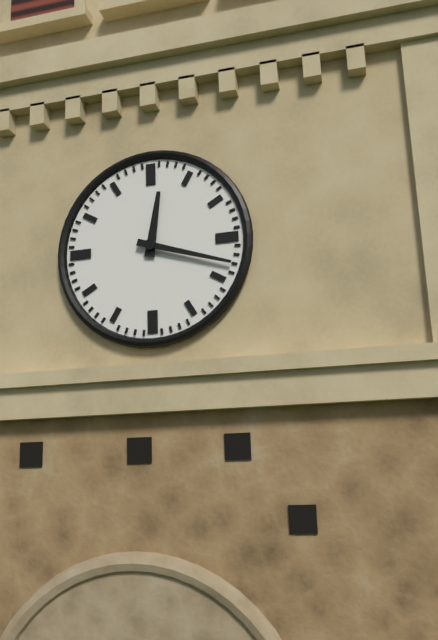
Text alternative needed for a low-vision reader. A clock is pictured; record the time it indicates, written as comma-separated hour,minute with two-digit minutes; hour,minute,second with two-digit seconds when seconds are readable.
12,18
